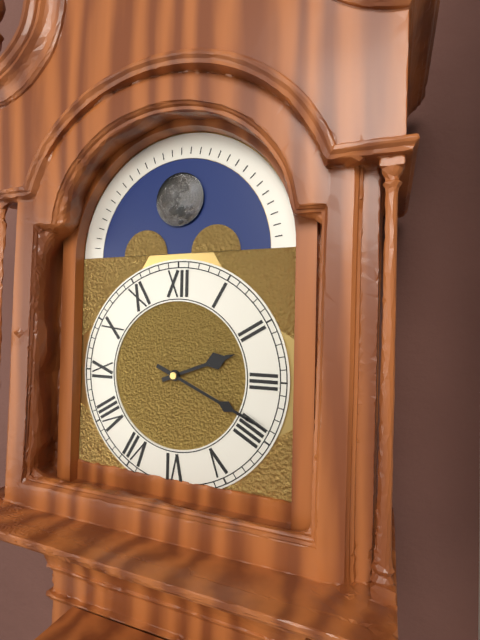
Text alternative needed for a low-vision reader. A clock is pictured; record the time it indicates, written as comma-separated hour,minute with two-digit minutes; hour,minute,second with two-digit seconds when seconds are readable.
2,19
